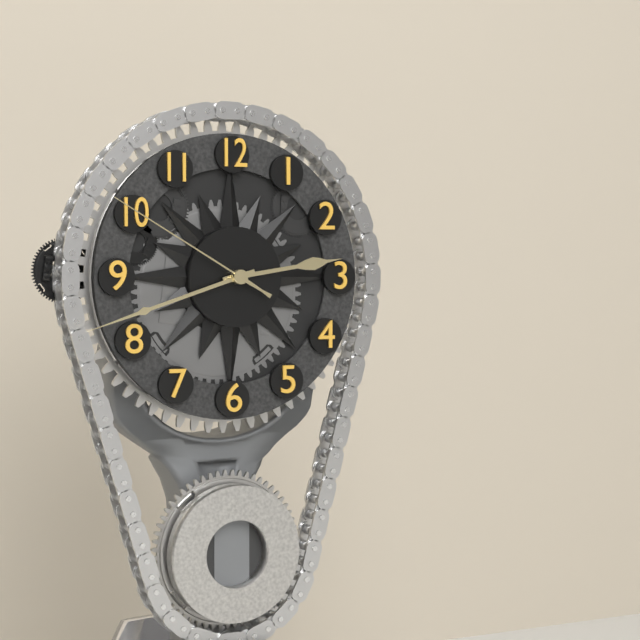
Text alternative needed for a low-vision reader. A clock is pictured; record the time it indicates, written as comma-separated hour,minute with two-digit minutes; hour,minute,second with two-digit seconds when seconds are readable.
2,42,50
